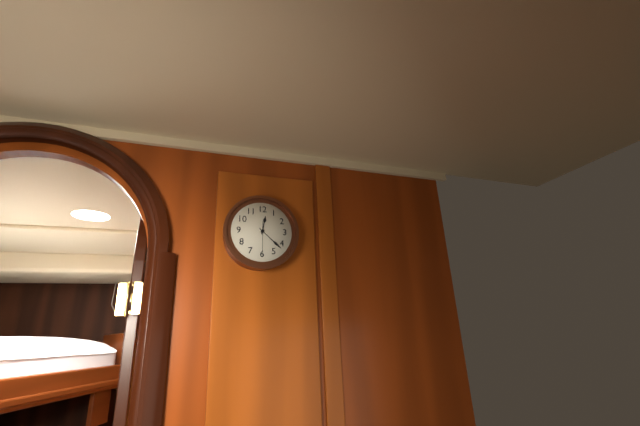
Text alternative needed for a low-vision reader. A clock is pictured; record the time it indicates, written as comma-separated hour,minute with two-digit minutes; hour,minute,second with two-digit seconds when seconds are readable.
12,22
